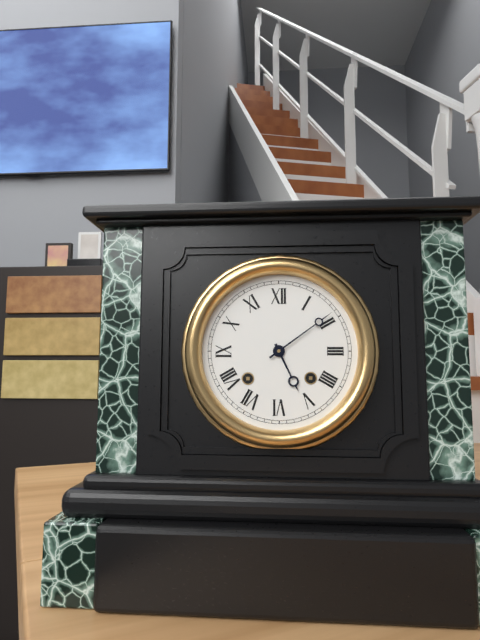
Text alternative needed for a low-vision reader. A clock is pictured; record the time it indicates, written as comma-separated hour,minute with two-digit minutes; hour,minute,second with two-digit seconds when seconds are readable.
5,09
